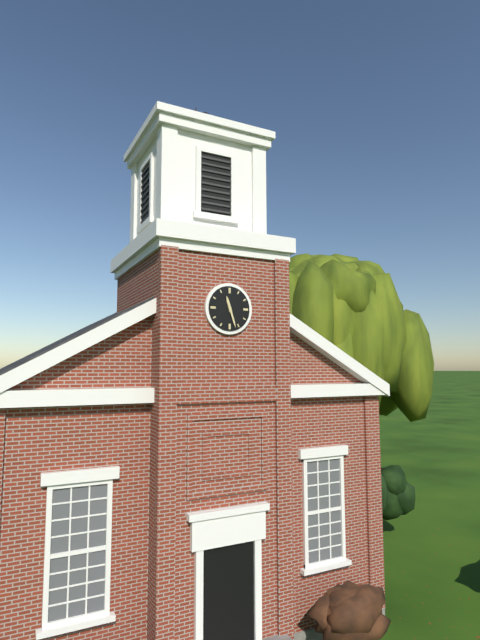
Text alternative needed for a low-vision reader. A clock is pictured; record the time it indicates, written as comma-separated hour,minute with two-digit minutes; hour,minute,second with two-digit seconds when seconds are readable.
11,27
